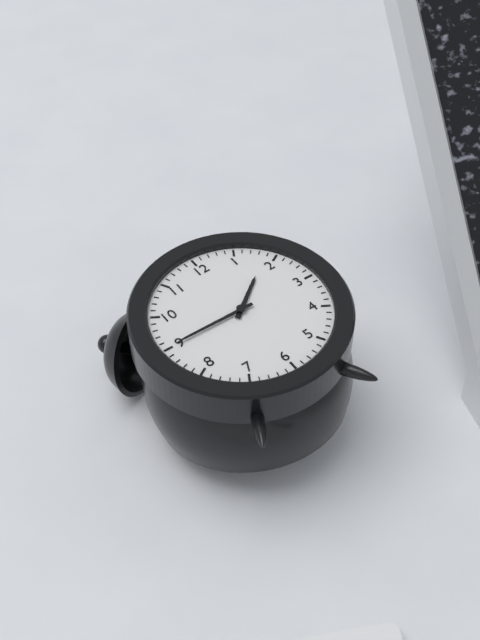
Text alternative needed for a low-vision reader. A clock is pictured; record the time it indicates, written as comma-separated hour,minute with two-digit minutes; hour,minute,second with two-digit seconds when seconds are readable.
1,45
